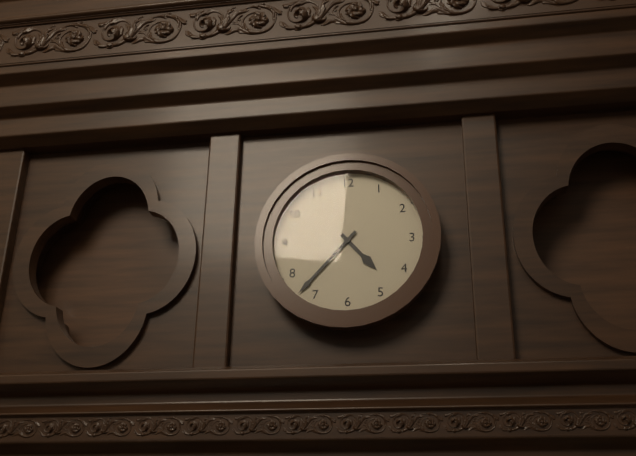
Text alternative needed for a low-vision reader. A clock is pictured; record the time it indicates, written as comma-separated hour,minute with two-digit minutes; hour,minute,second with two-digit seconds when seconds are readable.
4,37
